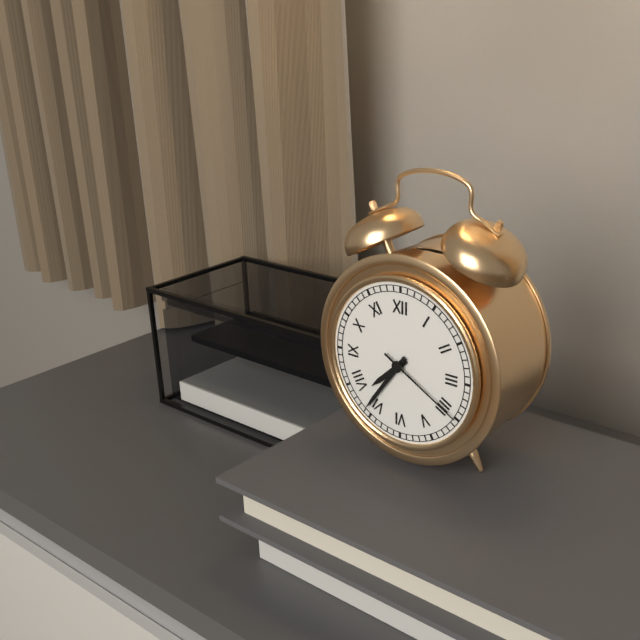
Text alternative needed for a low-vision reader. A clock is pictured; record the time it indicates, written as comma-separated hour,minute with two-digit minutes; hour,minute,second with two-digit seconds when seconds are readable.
7,36,20
